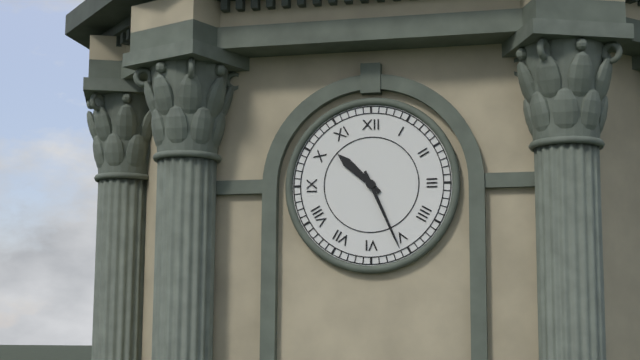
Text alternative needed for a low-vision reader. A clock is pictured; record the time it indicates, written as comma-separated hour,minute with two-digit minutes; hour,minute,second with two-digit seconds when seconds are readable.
10,26
